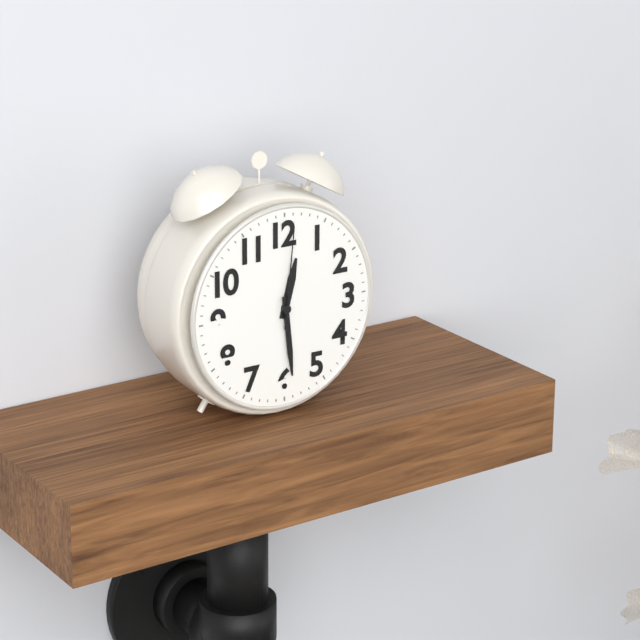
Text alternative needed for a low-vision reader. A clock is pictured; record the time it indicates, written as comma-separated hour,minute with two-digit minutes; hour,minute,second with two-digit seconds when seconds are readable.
12,29,01
